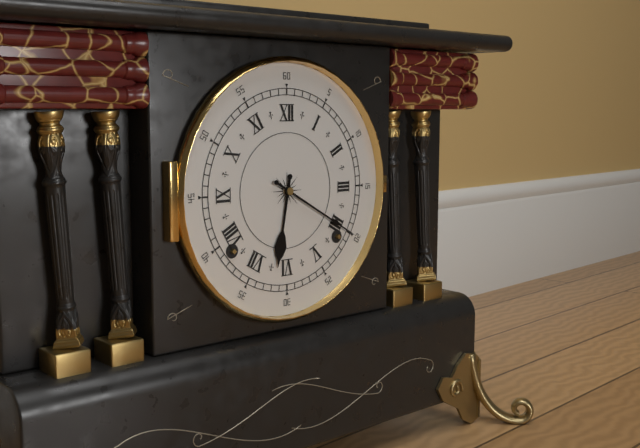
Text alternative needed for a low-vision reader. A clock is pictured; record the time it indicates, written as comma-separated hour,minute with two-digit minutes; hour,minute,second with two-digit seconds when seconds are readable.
6,20
